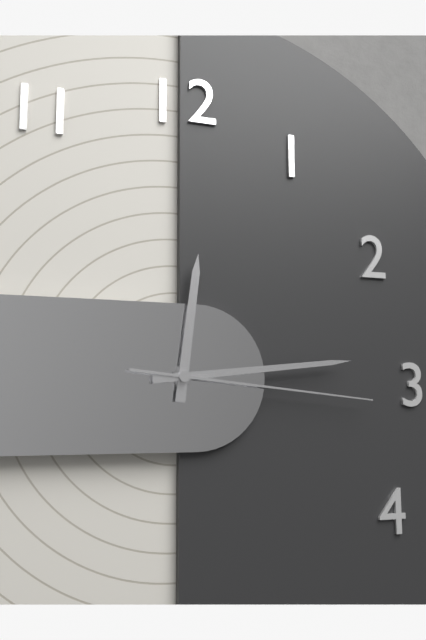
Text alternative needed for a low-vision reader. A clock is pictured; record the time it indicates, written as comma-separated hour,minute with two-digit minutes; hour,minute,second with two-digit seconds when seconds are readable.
12,14,16
